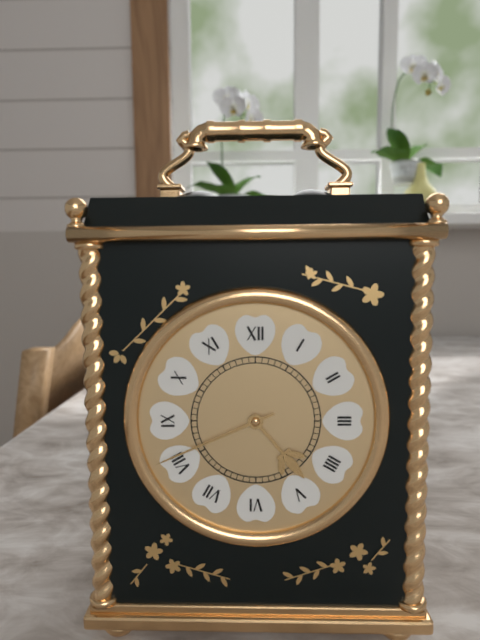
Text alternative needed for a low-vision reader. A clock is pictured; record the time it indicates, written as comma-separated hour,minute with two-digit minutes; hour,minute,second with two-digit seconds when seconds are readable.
4,41
